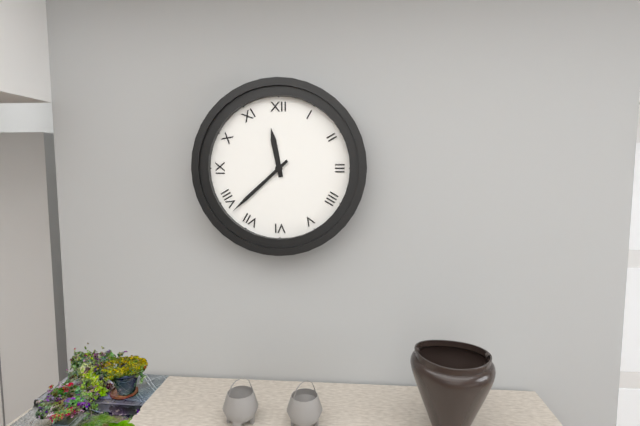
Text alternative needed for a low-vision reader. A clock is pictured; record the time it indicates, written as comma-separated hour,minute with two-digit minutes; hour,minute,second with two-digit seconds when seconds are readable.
11,38
